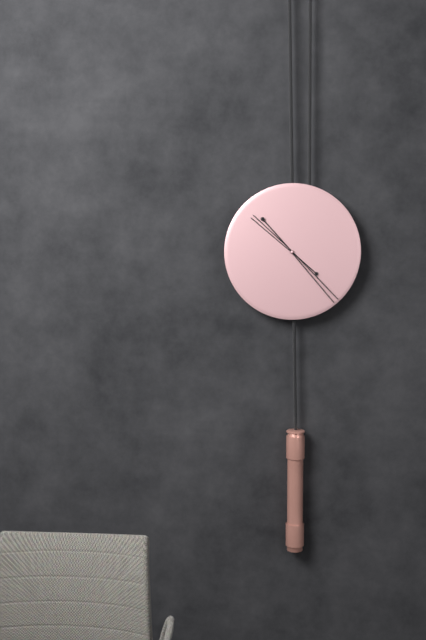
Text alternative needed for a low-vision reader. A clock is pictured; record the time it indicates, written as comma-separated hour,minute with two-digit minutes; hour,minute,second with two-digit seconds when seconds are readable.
10,23
